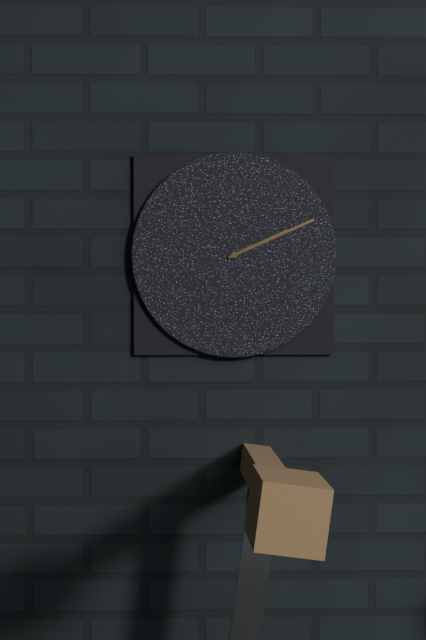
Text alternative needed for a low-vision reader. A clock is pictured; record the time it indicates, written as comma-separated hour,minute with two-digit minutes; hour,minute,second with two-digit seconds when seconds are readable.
2,11
